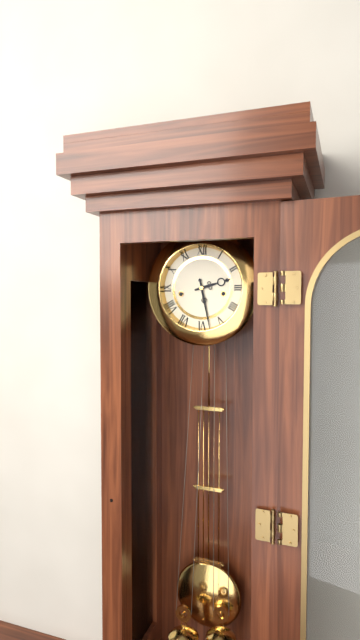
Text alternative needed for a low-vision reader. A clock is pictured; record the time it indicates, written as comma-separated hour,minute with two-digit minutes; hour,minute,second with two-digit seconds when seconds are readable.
2,28
